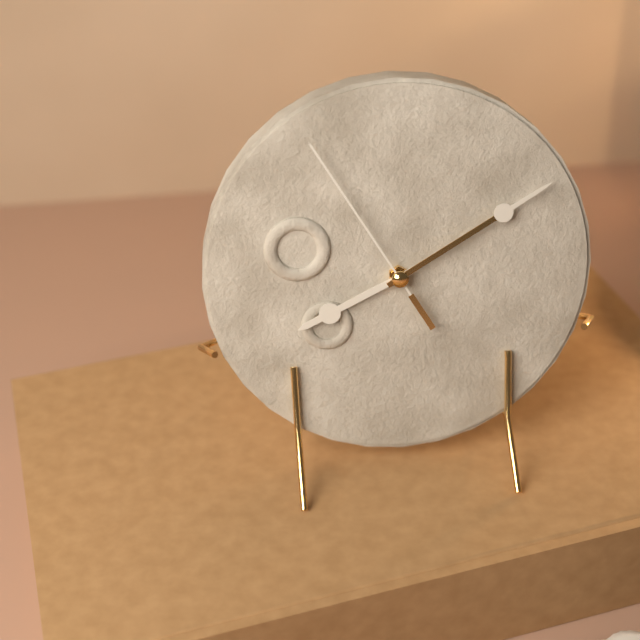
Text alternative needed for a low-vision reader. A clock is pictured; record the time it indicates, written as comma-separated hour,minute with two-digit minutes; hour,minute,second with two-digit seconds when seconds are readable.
8,10,55
